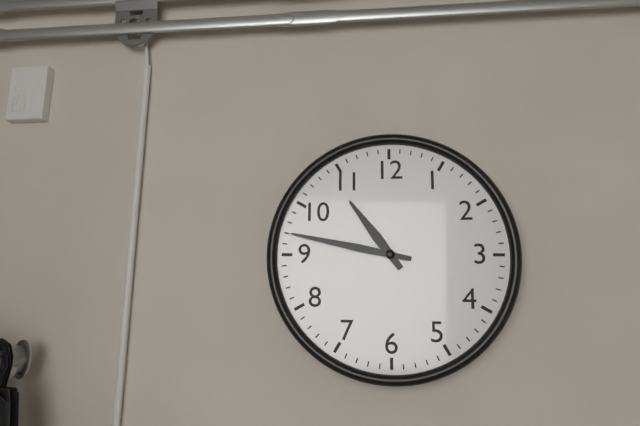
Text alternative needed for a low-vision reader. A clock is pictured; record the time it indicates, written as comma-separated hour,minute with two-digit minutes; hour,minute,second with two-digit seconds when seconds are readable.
10,47
